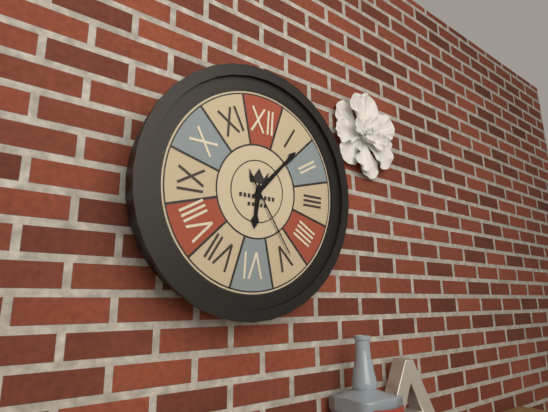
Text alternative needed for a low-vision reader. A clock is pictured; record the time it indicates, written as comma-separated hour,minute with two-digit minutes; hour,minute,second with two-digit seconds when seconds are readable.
6,07,24
